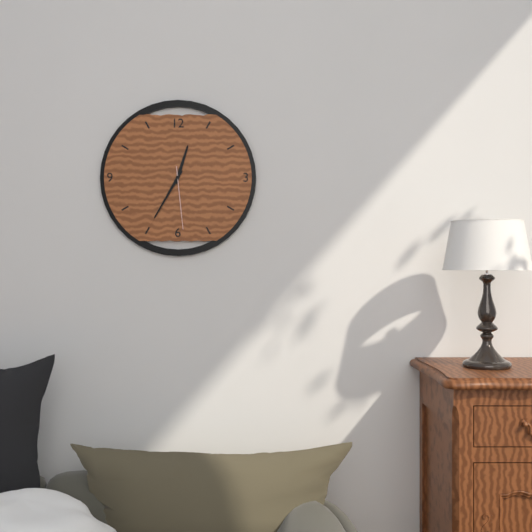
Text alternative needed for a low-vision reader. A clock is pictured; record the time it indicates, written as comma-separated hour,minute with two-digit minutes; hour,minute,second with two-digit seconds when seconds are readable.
12,35,29
